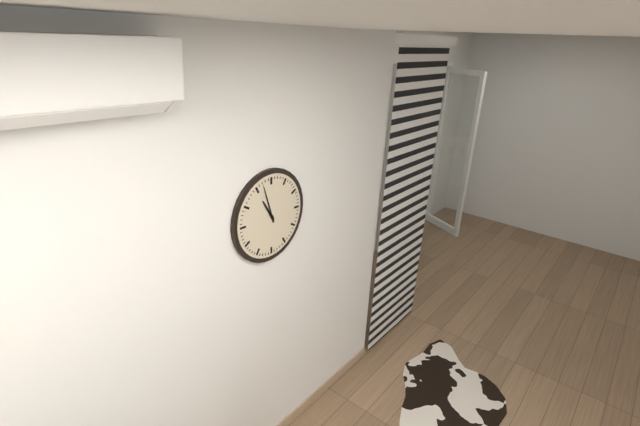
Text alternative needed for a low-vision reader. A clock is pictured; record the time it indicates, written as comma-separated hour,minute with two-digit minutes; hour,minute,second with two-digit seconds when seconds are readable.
10,57
